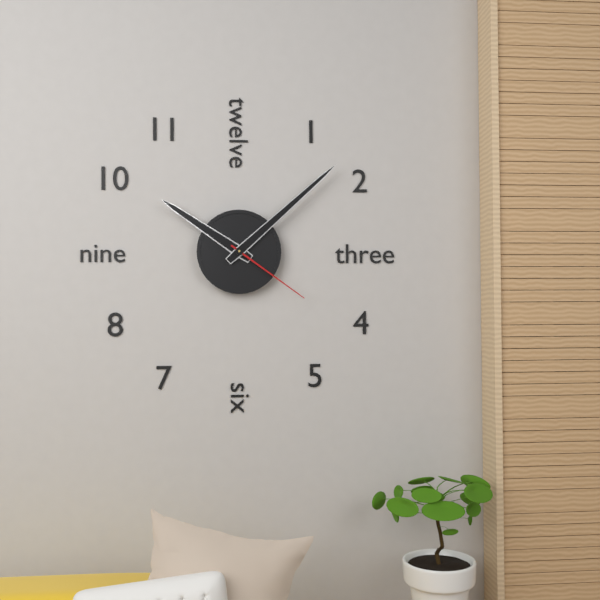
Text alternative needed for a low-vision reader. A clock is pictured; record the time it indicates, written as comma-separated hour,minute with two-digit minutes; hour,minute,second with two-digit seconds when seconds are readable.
10,08,21
